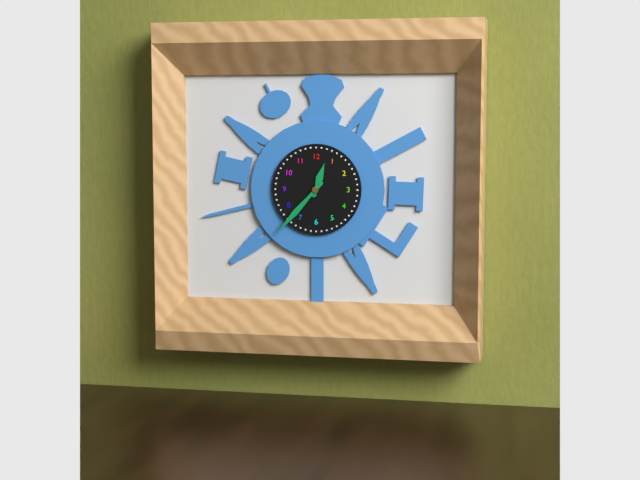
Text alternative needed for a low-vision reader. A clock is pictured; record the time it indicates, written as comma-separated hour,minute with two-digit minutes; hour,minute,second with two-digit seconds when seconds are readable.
12,37
